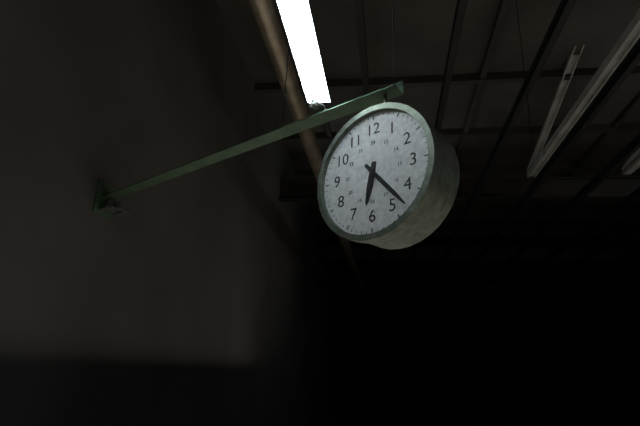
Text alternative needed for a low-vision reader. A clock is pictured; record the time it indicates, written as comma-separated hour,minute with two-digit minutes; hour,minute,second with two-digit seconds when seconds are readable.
6,23
